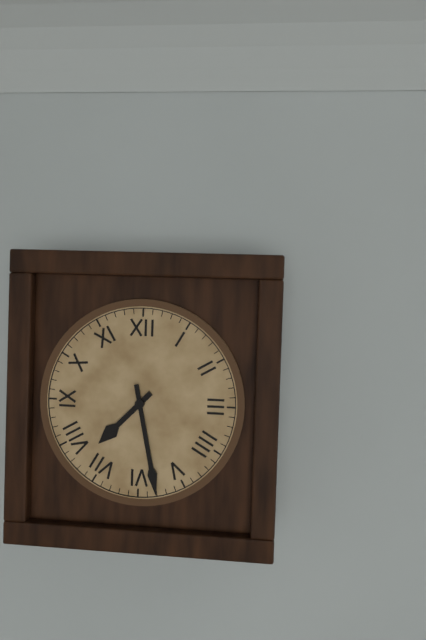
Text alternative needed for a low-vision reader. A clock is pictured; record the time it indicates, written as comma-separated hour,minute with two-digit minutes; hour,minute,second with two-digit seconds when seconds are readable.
7,28
